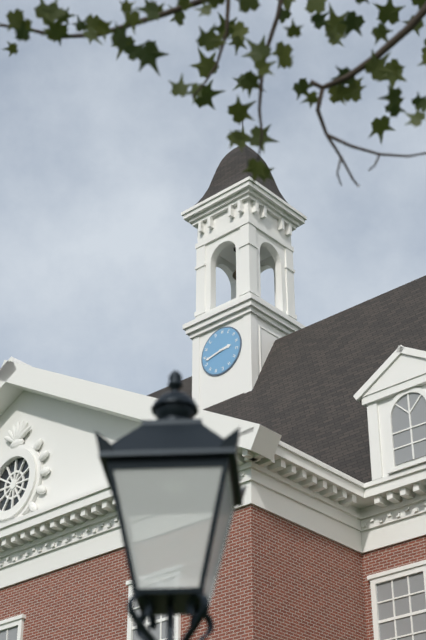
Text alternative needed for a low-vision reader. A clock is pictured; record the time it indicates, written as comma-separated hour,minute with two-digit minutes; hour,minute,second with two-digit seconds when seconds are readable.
2,43
